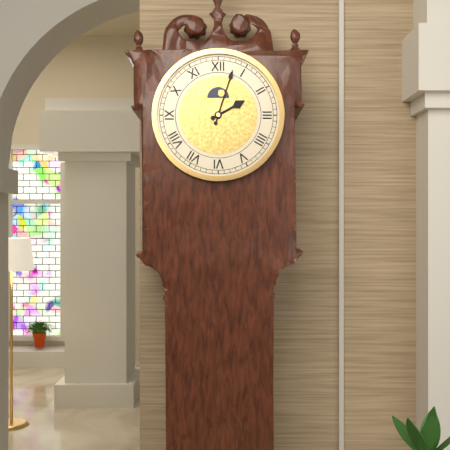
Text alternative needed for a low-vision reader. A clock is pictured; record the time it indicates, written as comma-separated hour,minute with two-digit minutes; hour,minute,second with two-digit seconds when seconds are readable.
2,03
